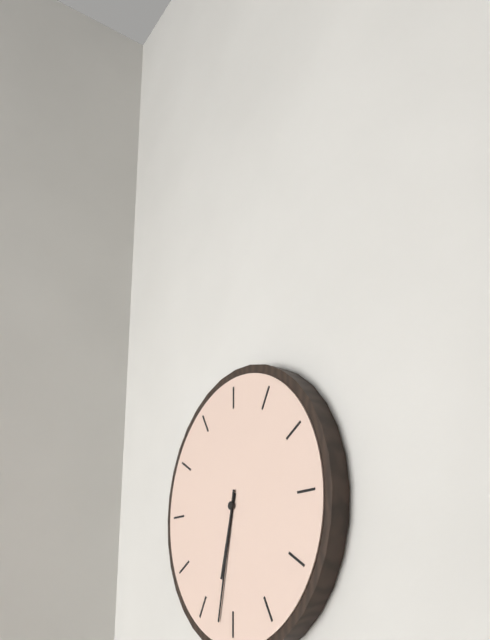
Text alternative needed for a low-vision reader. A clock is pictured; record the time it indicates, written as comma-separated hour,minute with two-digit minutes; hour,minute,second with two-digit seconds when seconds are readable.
6,32
